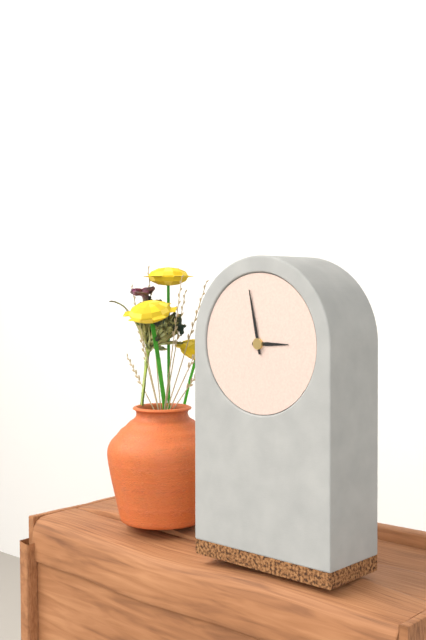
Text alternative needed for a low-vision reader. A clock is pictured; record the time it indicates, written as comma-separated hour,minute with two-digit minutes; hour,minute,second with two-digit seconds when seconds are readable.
2,58
